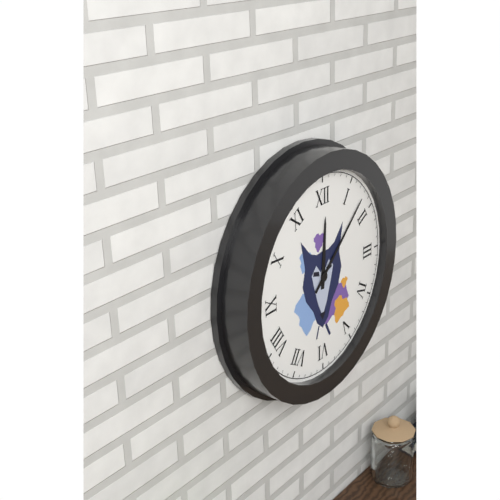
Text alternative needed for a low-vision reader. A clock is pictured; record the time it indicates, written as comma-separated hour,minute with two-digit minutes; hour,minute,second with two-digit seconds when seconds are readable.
12,08
